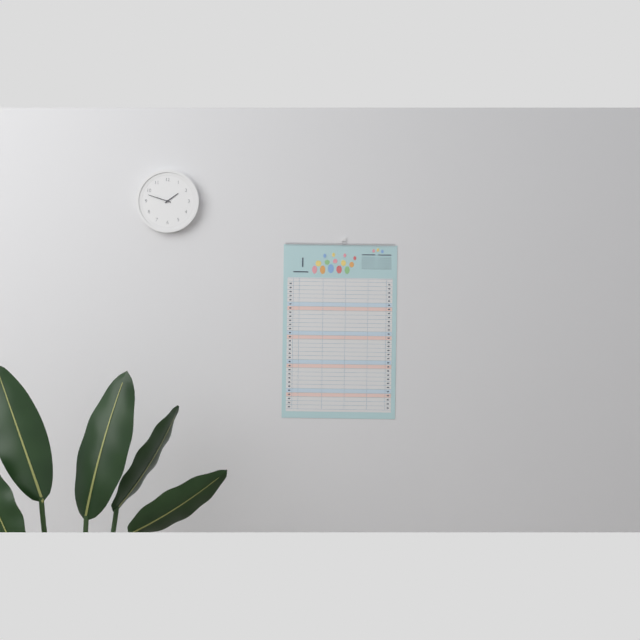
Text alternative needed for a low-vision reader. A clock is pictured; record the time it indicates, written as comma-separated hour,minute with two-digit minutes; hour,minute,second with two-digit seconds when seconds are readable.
1,48
